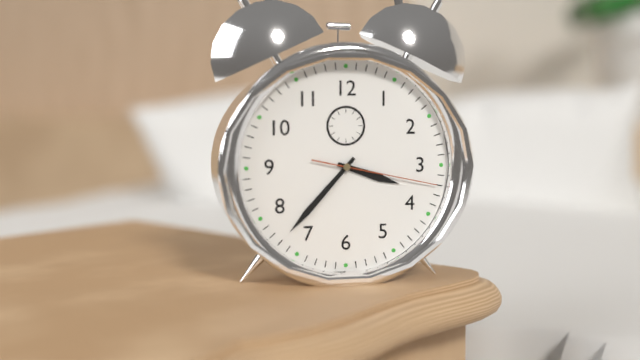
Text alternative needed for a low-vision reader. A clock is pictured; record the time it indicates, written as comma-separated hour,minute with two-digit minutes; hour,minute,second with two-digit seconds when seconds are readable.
3,37,17
